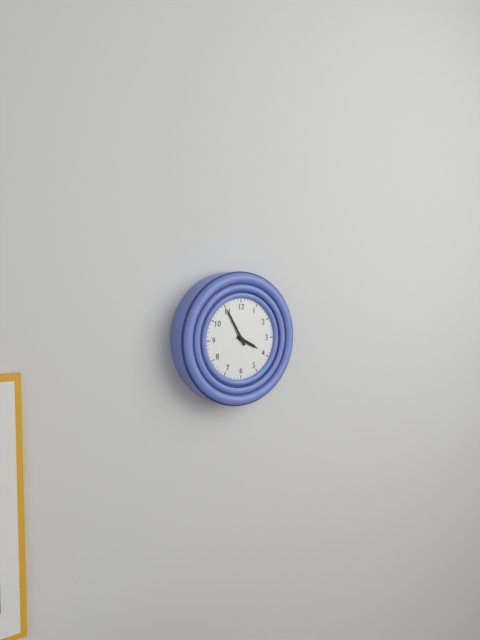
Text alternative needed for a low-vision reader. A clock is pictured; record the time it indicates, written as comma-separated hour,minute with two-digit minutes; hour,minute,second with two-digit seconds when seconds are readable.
3,55
